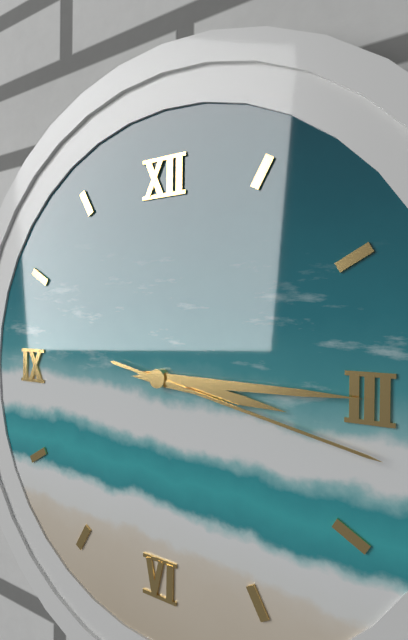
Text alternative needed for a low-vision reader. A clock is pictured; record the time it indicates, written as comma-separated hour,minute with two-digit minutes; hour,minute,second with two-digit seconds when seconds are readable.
3,15,17
